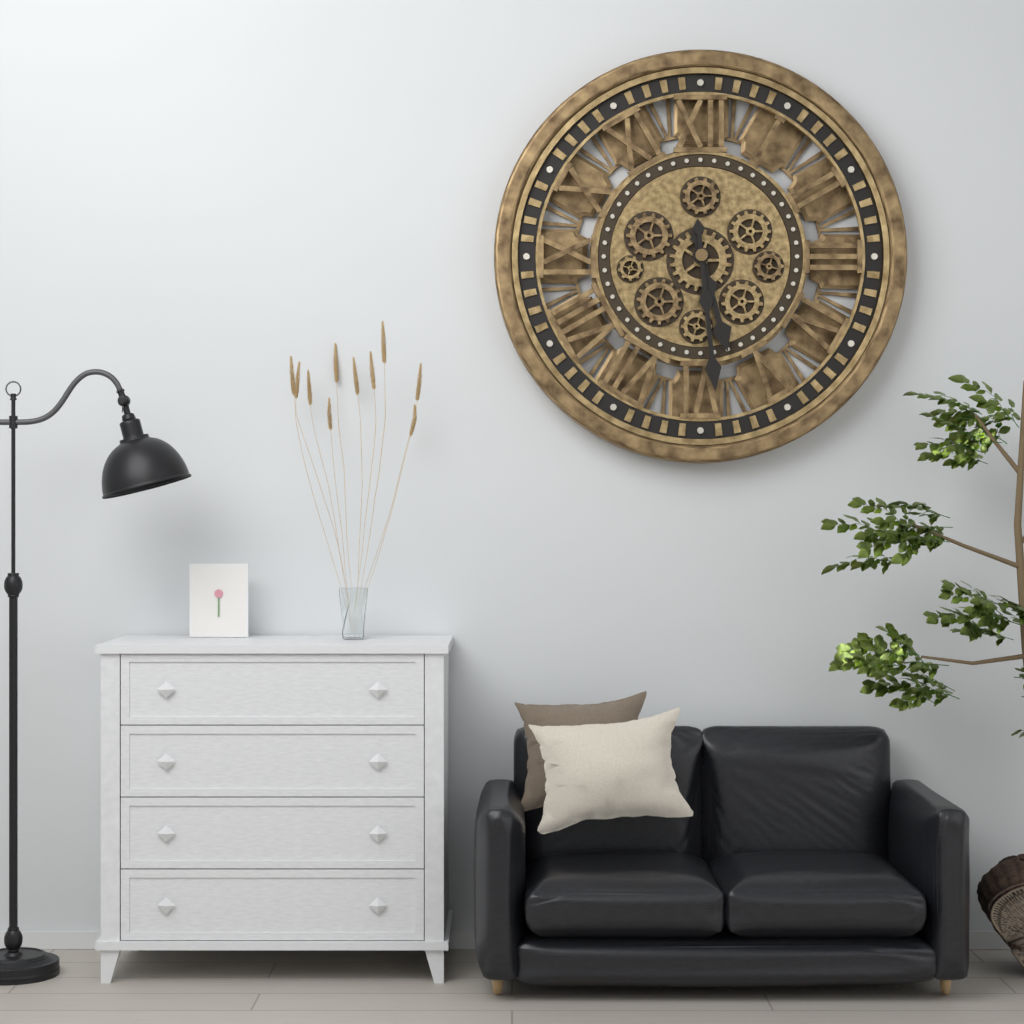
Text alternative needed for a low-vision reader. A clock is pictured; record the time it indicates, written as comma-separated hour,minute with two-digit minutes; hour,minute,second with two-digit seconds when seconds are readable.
5,29
